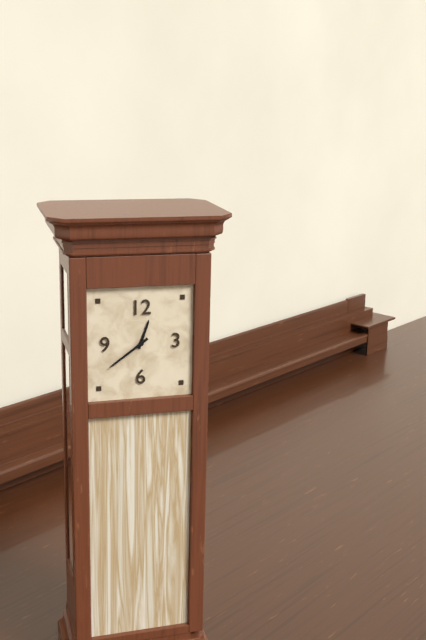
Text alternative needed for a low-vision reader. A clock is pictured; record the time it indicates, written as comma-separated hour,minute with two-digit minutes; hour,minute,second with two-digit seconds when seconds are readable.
12,39
